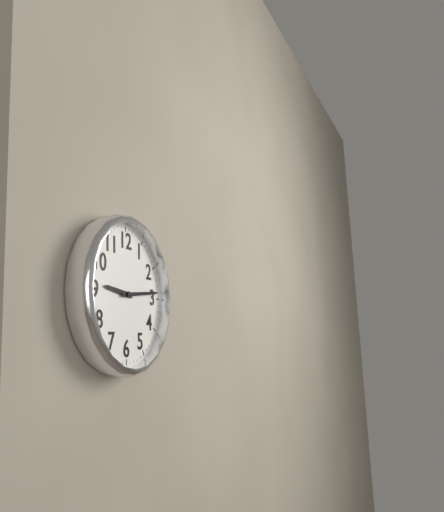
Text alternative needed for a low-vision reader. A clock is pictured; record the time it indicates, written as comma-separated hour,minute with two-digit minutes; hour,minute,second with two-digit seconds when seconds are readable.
9,14
